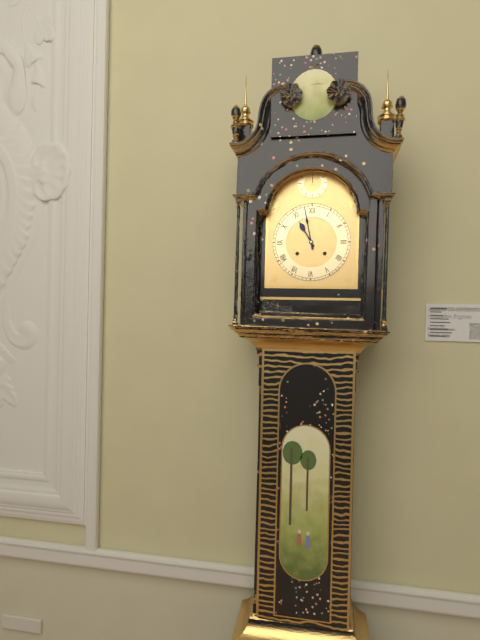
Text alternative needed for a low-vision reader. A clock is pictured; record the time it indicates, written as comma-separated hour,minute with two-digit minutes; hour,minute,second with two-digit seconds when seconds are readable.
10,58
